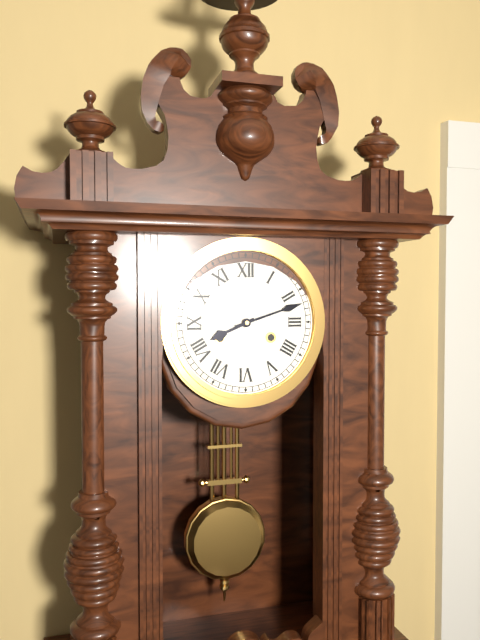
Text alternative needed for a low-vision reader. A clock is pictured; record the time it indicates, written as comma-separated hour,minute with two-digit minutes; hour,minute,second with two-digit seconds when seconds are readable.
8,12
